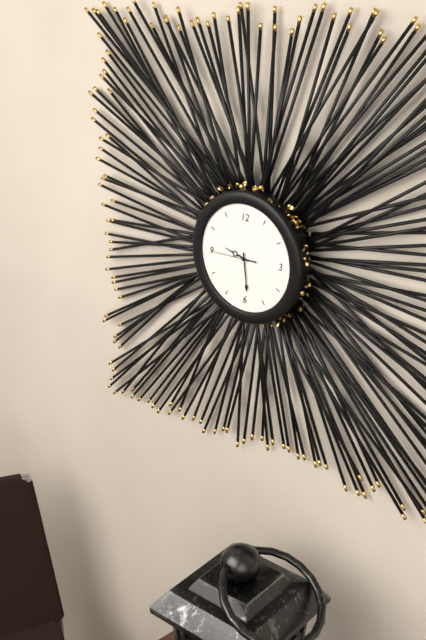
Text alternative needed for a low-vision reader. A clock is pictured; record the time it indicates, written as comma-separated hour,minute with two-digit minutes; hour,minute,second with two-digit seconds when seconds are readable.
9,29
